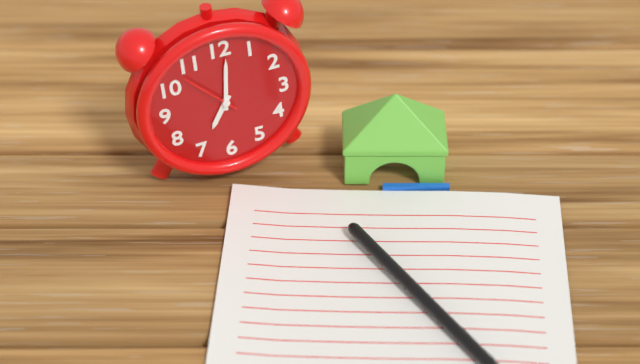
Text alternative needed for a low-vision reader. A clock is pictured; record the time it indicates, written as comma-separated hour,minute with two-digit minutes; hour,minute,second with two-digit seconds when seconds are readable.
7,01,53
